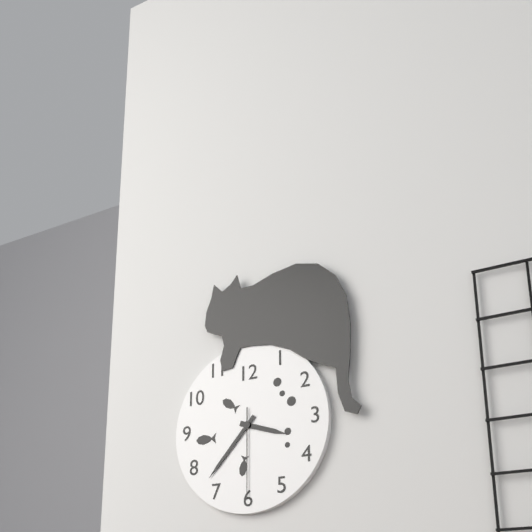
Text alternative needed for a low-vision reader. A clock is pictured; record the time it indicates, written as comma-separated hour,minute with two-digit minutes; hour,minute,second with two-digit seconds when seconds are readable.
3,37,30
